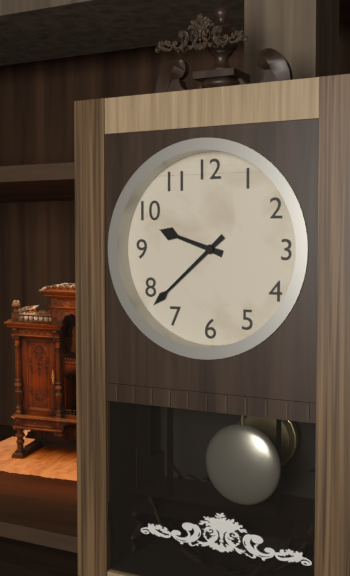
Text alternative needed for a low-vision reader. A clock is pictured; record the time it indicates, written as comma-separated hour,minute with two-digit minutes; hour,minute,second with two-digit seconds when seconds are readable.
9,38
